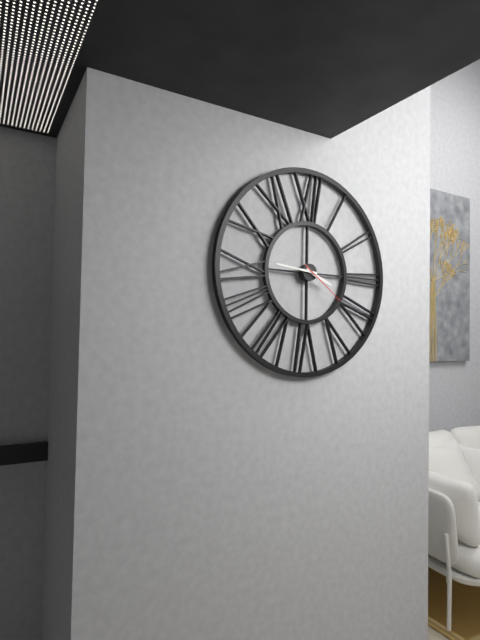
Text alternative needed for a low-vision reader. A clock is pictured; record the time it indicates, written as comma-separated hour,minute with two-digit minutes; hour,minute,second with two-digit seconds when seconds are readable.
3,46,21
